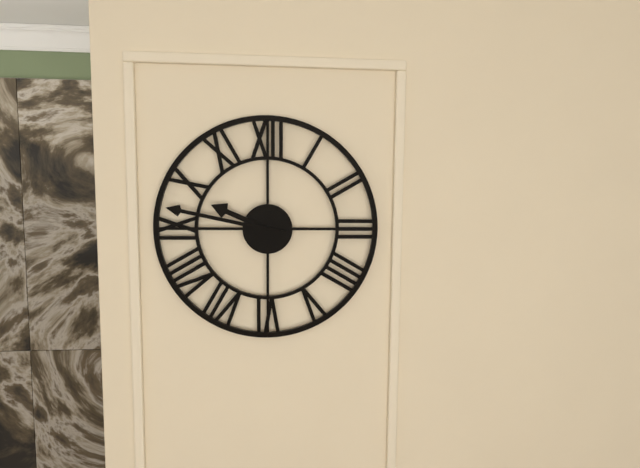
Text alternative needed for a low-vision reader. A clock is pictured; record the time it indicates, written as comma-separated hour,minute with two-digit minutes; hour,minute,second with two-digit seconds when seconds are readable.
9,47
